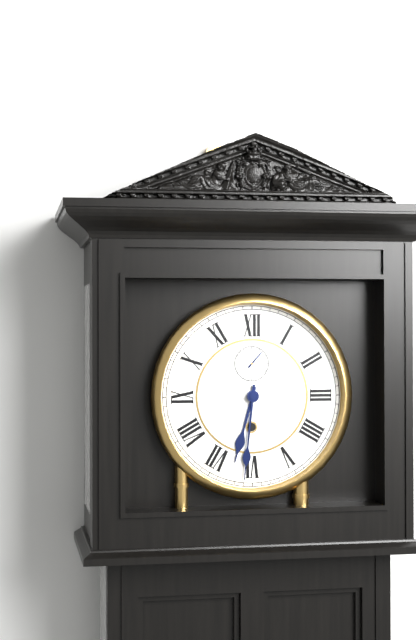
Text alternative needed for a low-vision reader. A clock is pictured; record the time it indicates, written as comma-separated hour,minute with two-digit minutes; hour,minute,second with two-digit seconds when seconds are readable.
6,31
